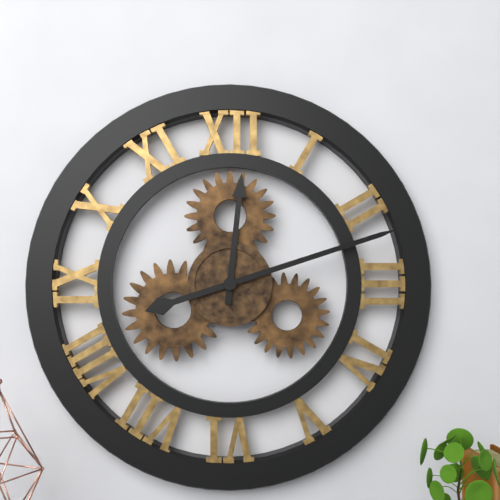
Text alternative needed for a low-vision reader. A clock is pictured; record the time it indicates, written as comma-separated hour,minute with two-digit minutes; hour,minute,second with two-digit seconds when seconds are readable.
12,12
